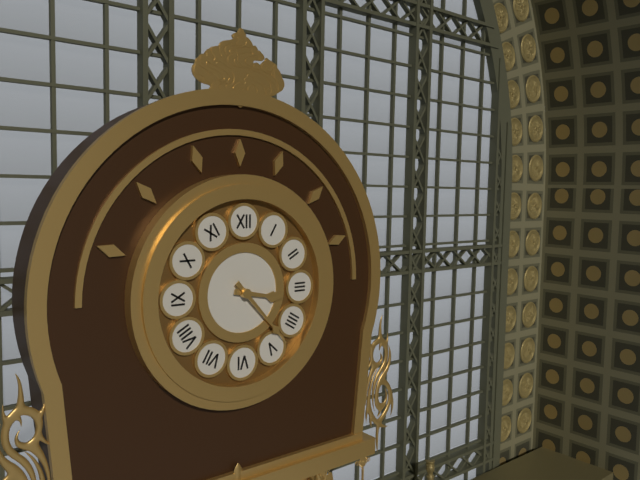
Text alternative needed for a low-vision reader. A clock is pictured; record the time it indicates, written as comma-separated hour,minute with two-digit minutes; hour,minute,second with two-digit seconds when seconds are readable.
3,23
